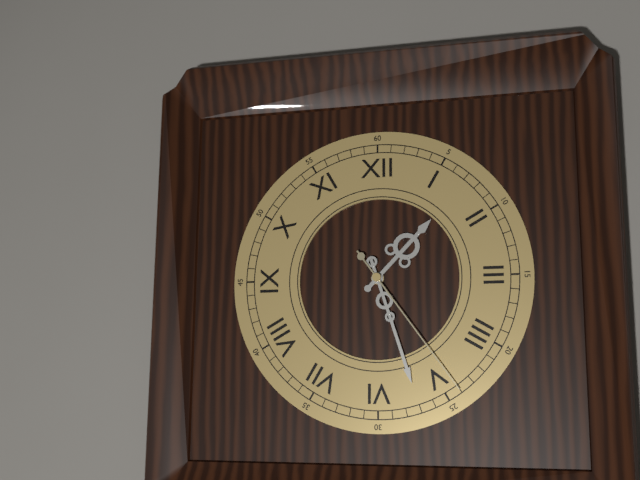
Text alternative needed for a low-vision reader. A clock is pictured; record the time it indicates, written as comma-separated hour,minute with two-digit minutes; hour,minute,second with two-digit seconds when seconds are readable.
1,27,24
